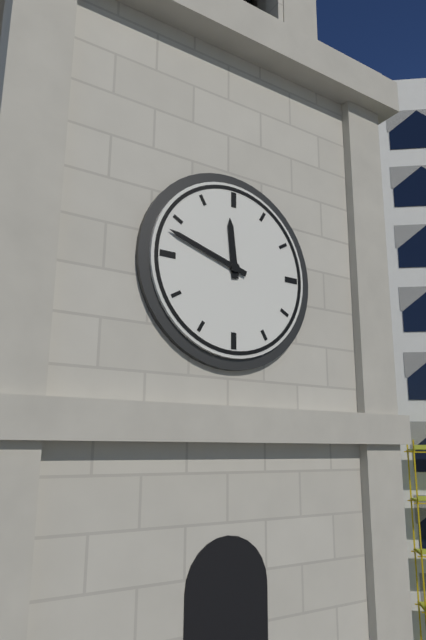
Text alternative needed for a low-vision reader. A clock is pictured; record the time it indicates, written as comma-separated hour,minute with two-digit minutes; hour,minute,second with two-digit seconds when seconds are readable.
11,48
